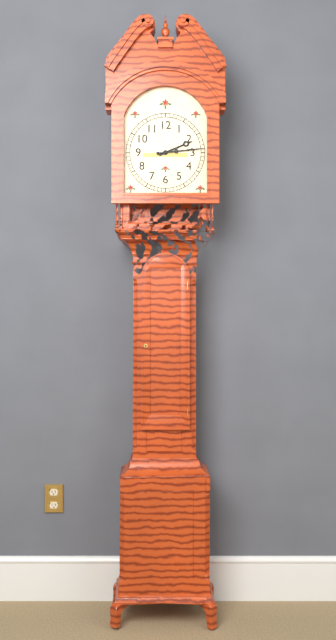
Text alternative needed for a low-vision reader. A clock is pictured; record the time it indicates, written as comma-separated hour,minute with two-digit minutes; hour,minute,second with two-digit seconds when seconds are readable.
2,14
